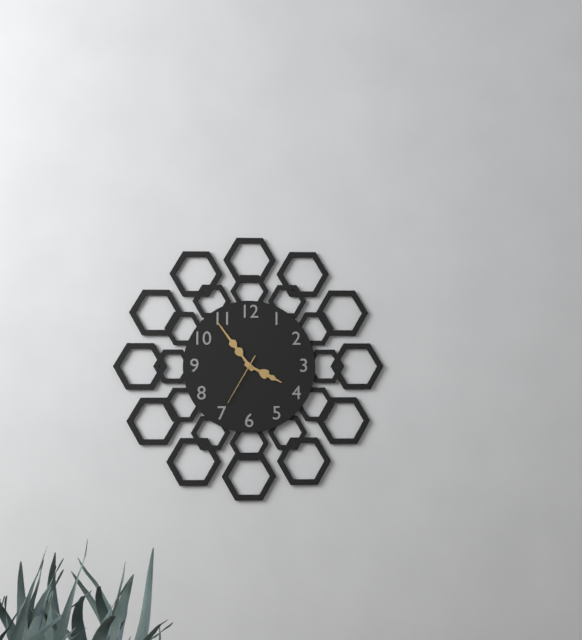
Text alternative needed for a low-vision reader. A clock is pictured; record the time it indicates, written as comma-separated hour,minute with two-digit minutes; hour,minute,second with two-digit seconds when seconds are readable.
3,54,35
